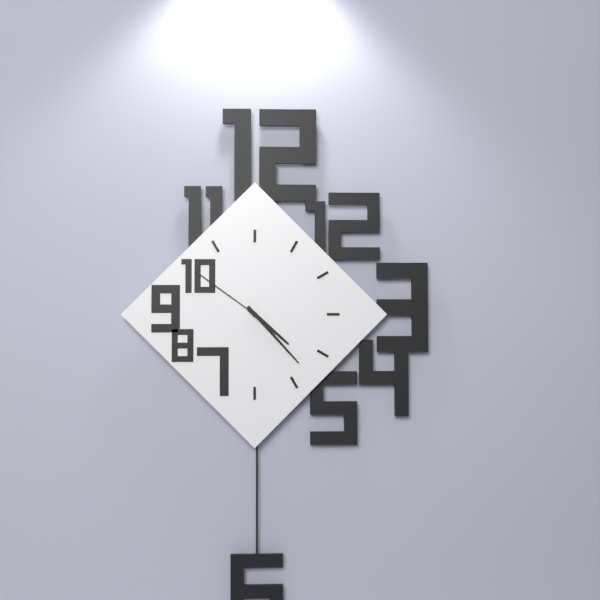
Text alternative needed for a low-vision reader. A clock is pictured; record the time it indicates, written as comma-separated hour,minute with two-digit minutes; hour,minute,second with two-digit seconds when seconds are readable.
4,23,51
